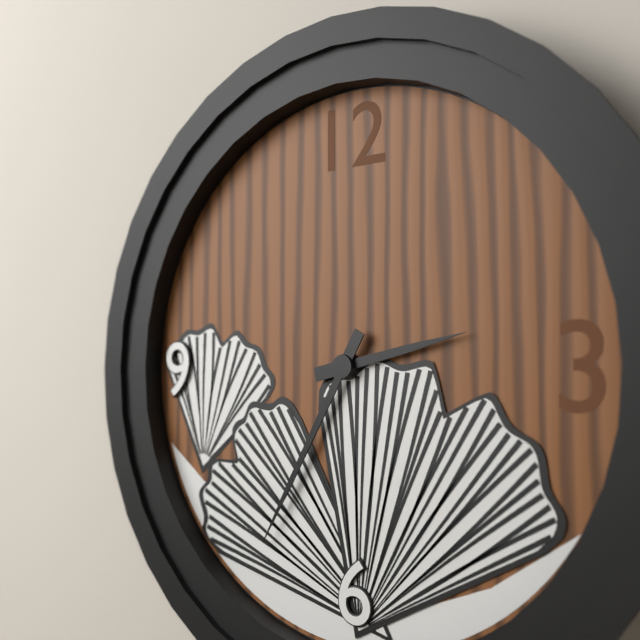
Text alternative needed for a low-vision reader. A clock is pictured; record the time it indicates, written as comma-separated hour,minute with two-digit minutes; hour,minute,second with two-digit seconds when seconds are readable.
2,35
